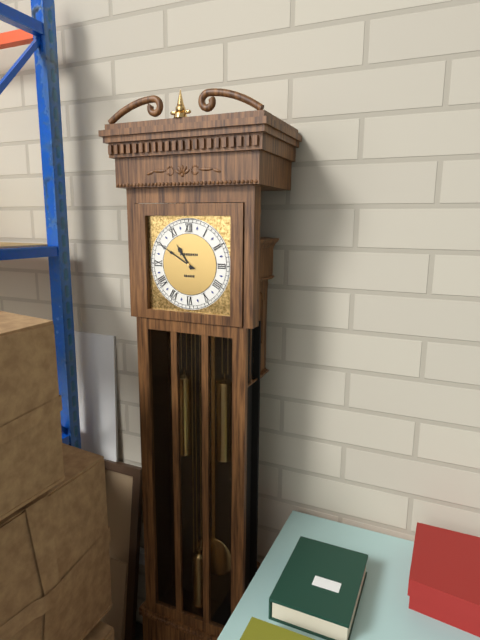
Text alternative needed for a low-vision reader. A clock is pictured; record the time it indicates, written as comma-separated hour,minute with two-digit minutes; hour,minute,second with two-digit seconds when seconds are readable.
10,50
